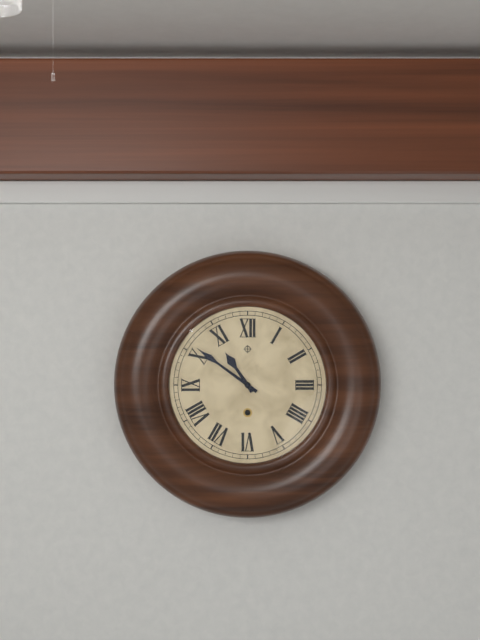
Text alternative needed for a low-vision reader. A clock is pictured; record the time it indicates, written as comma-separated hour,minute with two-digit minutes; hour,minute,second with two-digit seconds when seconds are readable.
10,51
